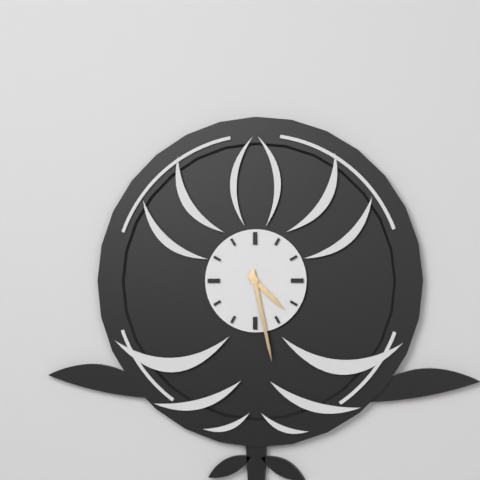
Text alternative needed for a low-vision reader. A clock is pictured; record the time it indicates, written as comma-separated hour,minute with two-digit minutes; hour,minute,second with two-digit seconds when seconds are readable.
4,28
